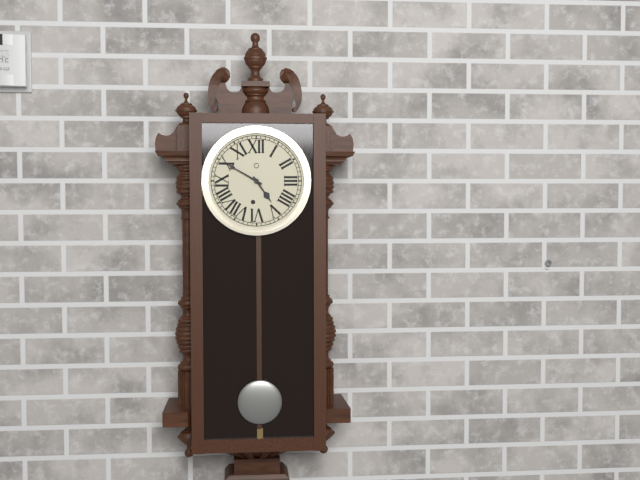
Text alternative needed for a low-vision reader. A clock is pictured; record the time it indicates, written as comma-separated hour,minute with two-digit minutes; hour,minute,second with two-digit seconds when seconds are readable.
4,50
